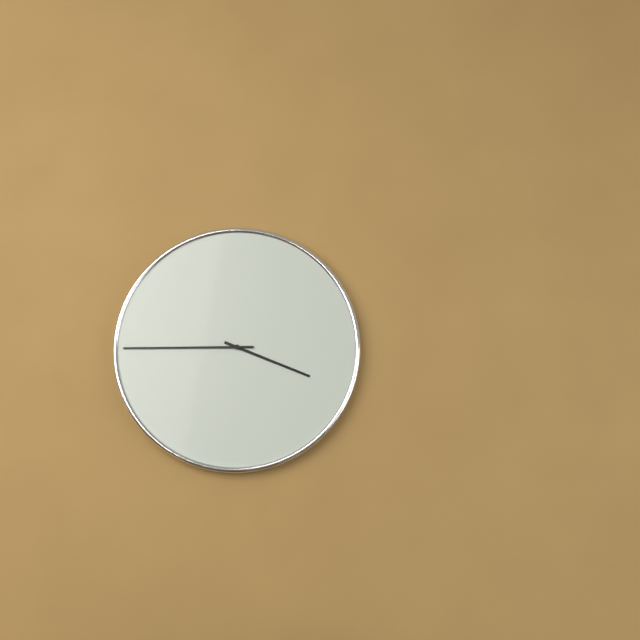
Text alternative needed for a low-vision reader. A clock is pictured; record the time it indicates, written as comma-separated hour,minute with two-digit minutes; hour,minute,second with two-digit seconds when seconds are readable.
3,45
